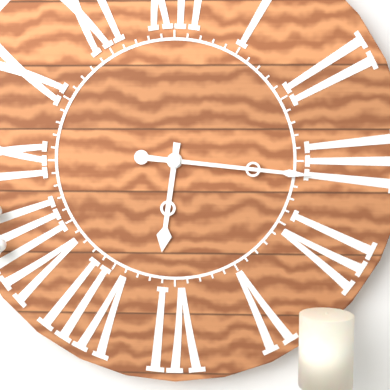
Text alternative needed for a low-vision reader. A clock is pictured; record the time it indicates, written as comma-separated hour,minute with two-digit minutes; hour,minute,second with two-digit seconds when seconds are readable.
6,16
